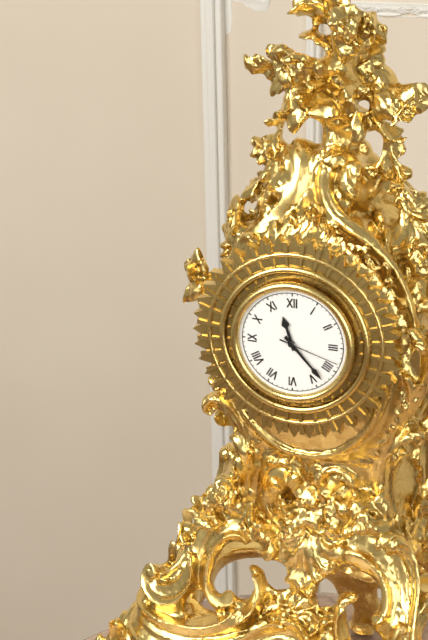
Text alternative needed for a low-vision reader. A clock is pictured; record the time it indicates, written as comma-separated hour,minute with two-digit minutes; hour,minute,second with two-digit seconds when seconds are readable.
11,23,18
